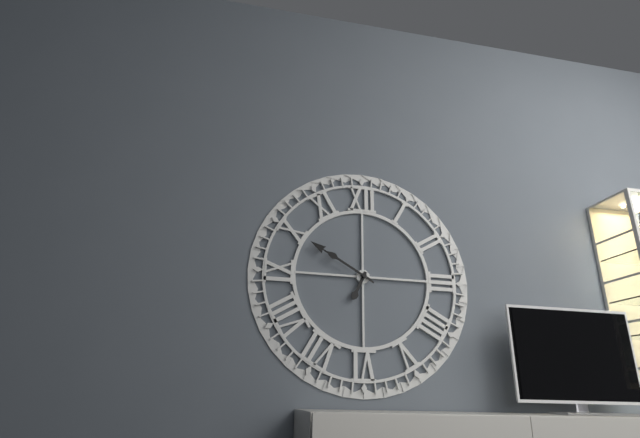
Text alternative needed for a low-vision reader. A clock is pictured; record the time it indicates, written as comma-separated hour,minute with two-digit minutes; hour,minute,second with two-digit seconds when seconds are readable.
6,50,50
